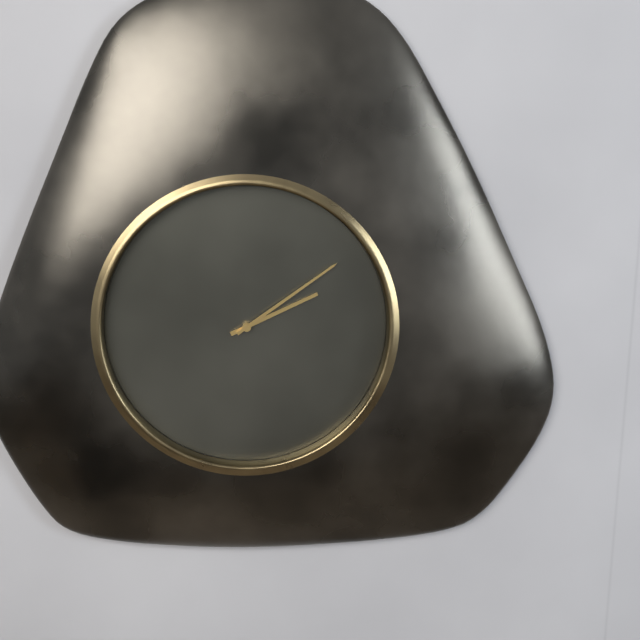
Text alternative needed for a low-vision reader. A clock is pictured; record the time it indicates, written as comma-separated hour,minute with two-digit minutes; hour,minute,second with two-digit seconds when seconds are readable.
2,09
